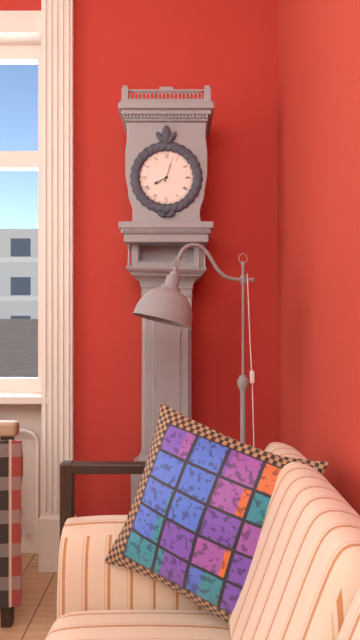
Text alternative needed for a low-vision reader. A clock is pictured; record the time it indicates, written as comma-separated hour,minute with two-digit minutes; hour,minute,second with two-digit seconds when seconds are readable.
8,03
